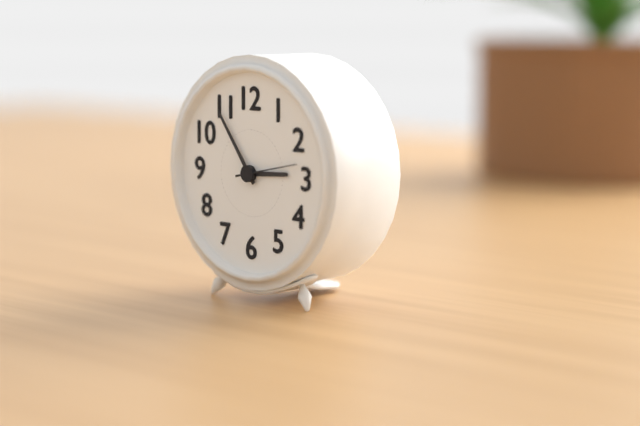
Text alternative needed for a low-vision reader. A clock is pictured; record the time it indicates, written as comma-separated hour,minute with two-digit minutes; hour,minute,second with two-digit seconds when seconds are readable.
2,54,13
